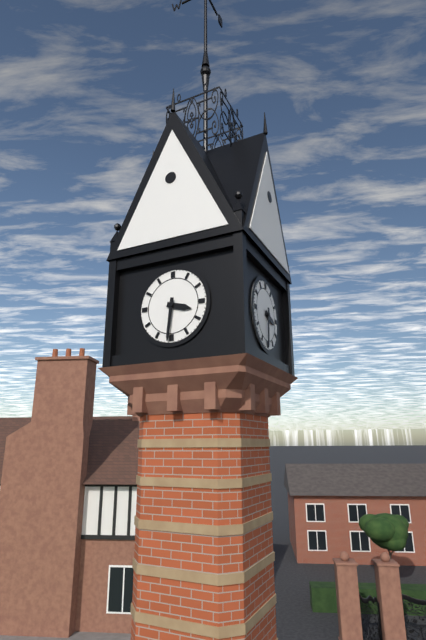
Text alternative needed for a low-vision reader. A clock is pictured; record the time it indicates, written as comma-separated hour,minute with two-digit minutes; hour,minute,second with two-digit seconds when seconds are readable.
3,31
